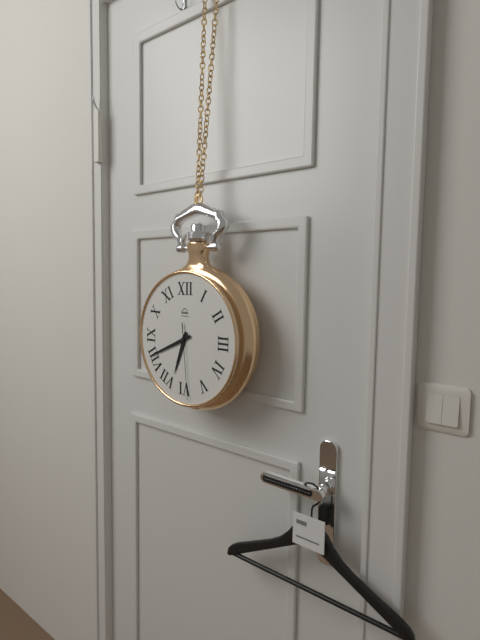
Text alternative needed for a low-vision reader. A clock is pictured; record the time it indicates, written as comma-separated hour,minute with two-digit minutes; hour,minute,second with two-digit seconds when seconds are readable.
6,41,29
